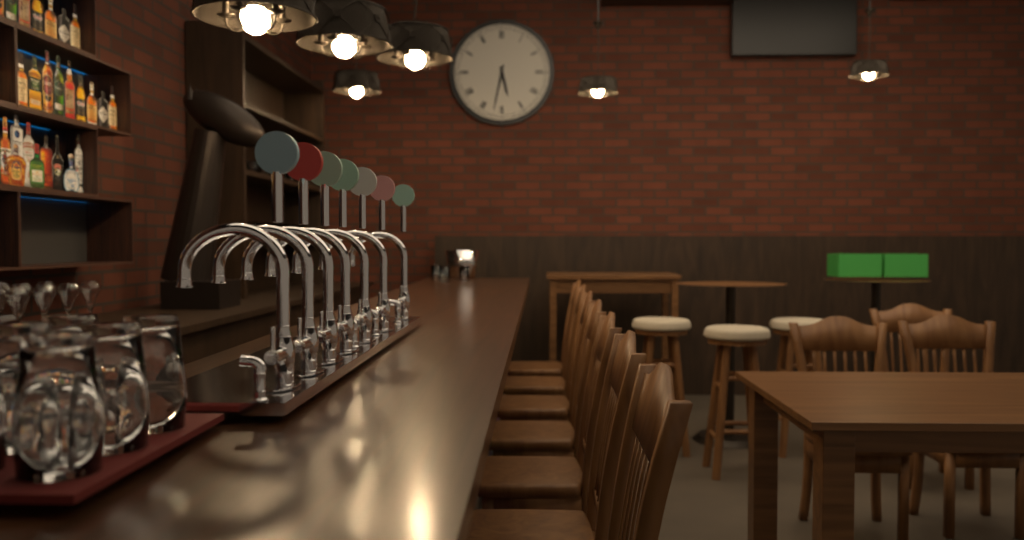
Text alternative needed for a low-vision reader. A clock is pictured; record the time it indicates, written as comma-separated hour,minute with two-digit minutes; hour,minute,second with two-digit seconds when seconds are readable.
5,32
